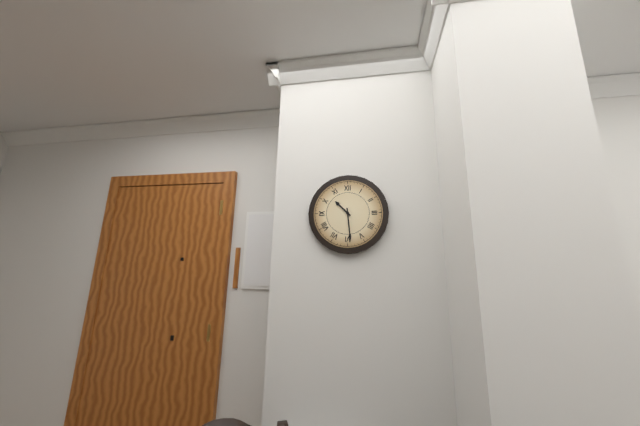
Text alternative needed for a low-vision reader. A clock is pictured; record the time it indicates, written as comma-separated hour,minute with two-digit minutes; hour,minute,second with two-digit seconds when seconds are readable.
10,29
